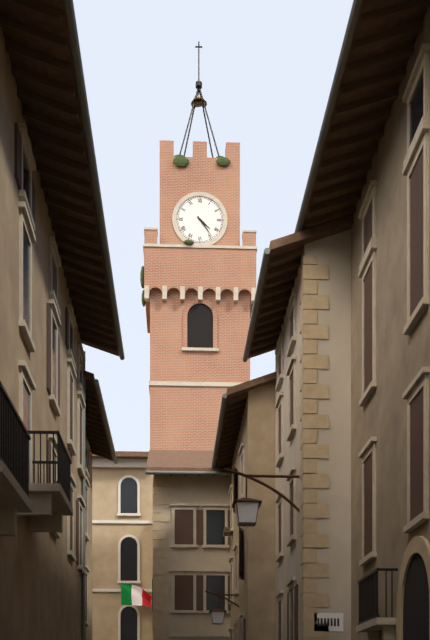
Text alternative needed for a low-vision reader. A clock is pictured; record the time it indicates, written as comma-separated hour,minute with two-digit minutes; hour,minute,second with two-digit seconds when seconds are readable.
4,24
